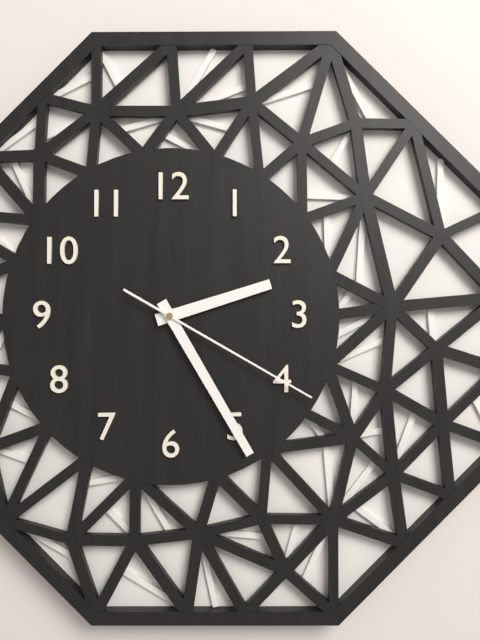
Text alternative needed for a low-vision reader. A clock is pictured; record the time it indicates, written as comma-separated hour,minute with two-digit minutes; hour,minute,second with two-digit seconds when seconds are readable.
2,25,20
